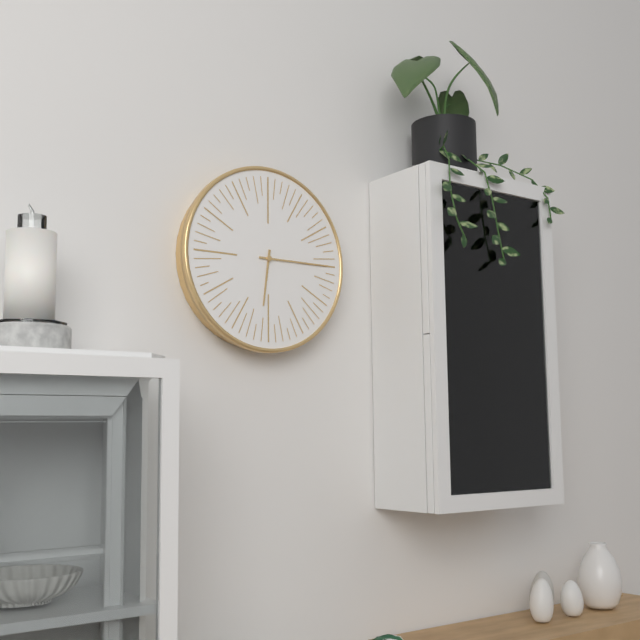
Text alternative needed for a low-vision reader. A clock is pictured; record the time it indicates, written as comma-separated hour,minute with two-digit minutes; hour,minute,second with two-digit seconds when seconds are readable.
6,15
